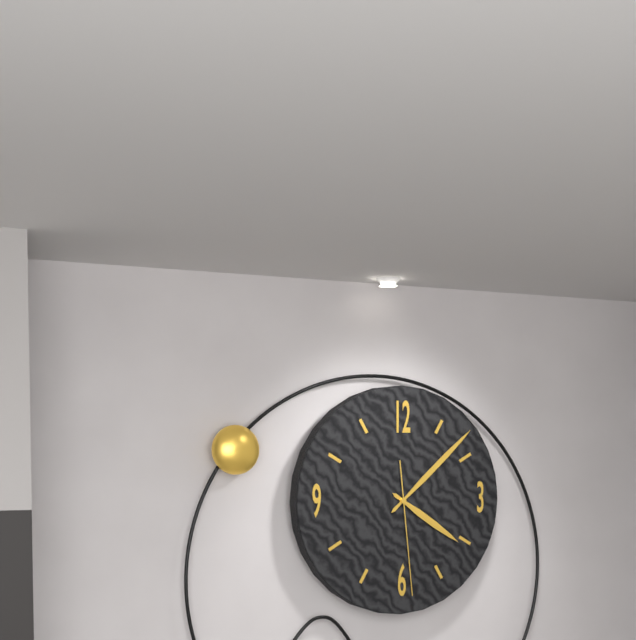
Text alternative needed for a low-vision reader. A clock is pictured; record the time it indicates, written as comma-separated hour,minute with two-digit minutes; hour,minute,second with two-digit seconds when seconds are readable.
4,08,29
